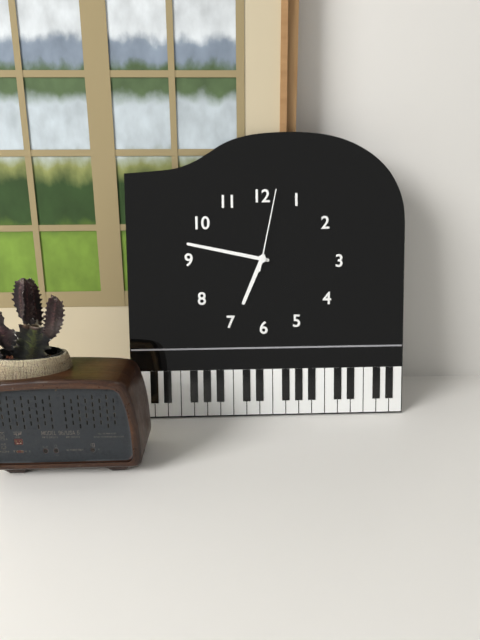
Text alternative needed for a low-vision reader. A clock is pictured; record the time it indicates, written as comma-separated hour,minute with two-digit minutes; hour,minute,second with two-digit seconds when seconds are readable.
6,47,02
